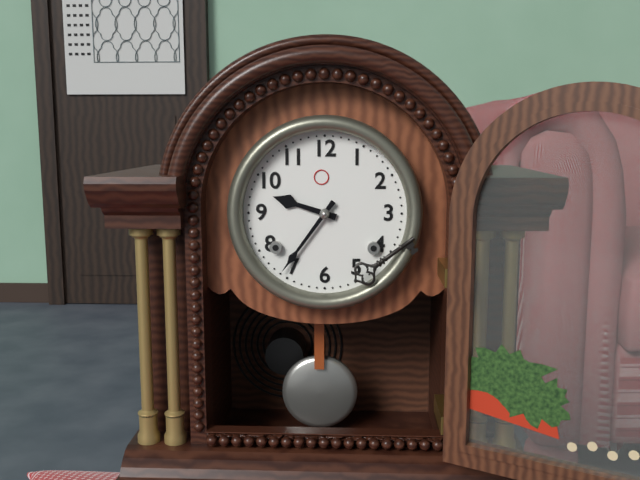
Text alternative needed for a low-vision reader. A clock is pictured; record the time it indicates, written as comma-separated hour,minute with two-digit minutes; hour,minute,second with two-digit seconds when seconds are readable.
9,36
